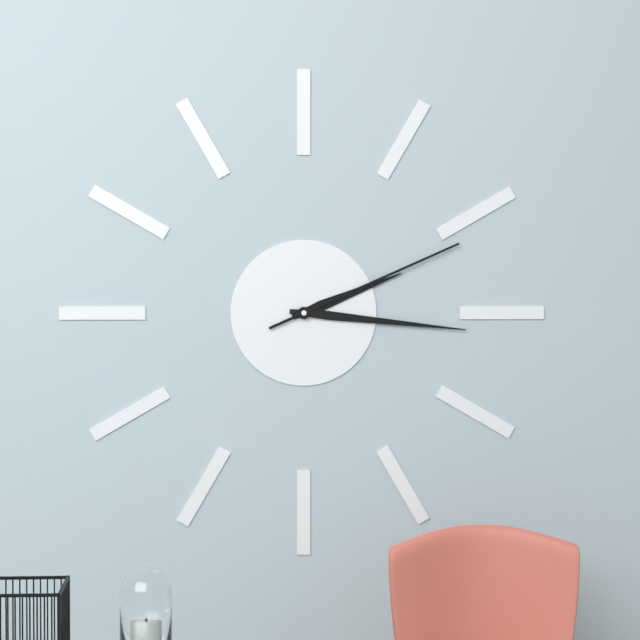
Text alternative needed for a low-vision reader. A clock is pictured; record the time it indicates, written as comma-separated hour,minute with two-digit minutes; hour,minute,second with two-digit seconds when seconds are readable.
2,16,11
